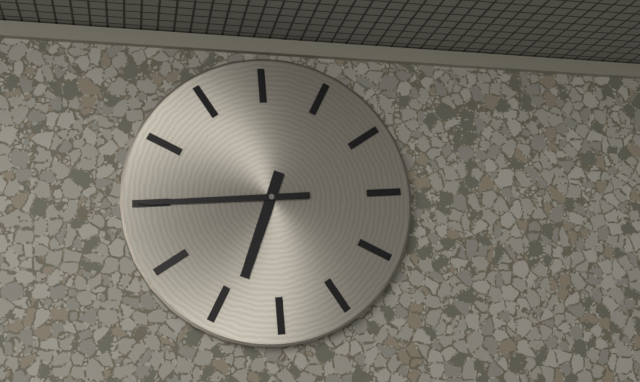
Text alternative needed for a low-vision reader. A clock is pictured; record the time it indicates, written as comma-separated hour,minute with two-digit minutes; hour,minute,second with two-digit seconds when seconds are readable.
6,45
